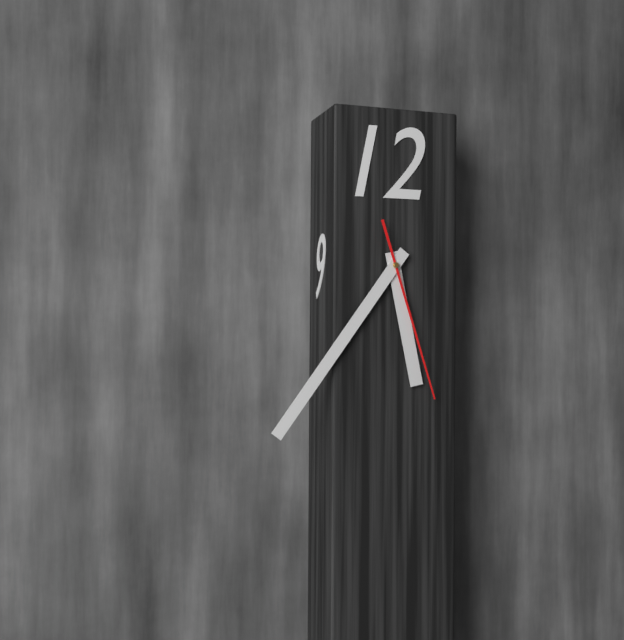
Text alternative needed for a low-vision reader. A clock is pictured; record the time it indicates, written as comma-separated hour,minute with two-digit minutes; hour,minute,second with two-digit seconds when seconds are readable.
5,36,27
